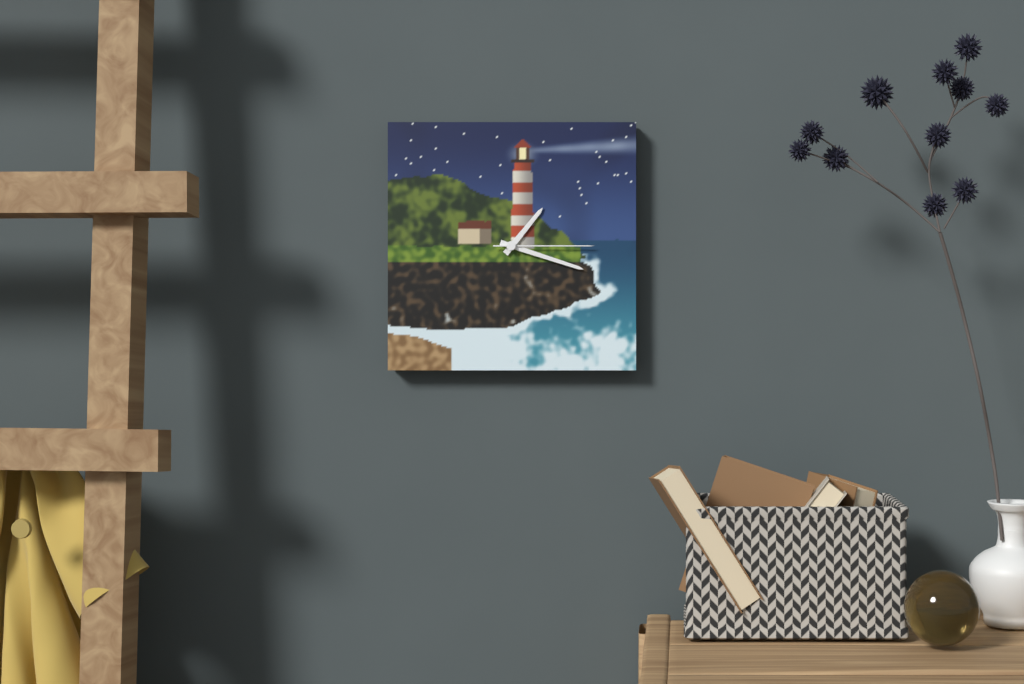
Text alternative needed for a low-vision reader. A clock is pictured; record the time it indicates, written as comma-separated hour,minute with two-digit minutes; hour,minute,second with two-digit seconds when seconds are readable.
1,18,15
